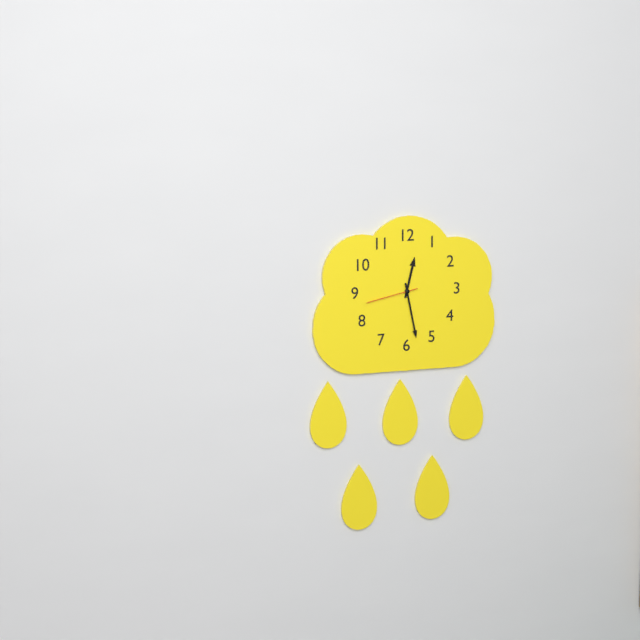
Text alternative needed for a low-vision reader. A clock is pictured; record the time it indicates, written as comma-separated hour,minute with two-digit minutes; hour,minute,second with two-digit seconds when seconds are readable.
12,28,43
